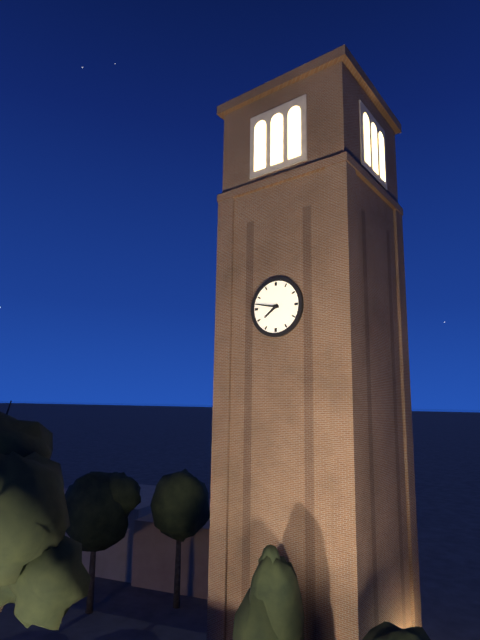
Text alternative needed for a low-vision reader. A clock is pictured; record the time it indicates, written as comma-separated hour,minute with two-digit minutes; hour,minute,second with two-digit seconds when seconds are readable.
7,47
